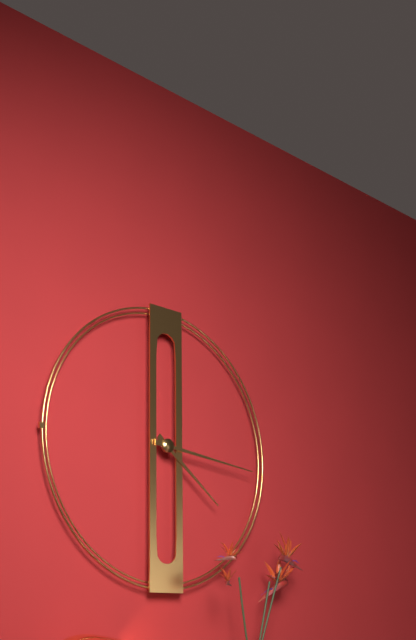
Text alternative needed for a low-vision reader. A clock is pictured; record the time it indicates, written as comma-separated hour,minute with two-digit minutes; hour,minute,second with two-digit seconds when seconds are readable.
4,16
